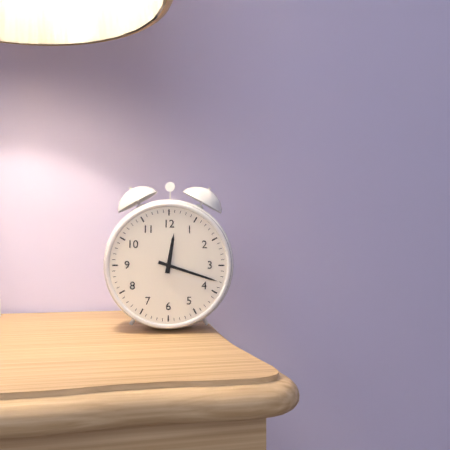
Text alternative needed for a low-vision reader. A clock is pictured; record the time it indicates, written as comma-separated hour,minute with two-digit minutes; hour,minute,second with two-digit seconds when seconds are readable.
12,18
